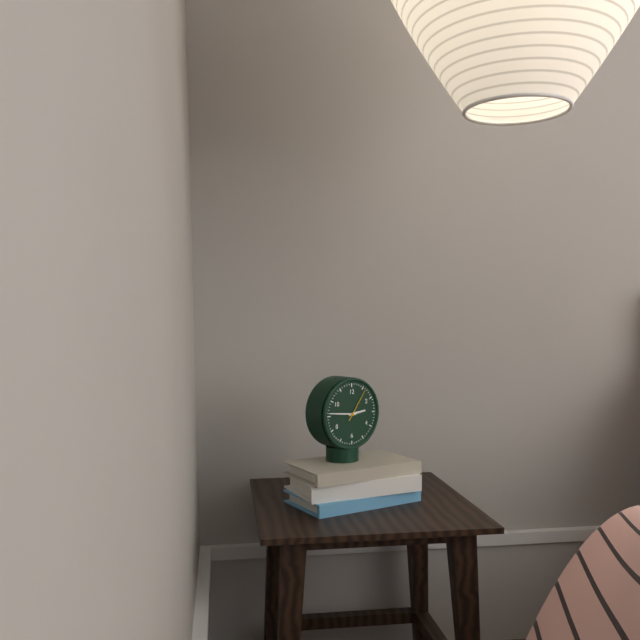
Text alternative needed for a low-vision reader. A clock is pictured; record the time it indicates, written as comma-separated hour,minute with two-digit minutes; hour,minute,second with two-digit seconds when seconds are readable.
2,46
